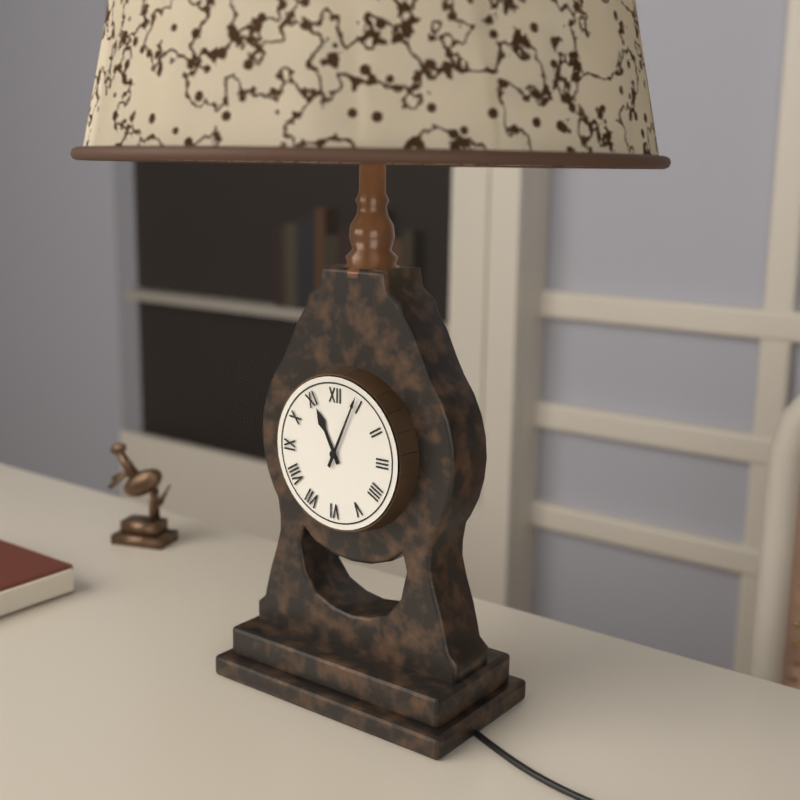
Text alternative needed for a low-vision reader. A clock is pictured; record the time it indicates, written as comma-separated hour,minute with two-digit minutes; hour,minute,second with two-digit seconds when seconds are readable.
11,04
